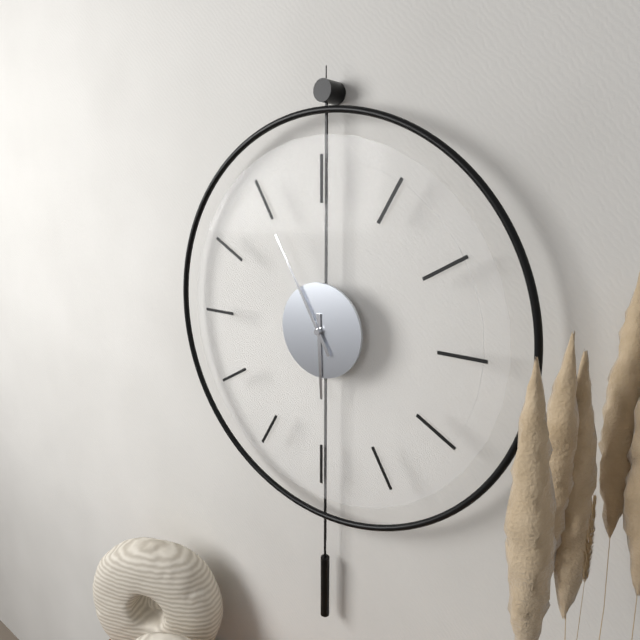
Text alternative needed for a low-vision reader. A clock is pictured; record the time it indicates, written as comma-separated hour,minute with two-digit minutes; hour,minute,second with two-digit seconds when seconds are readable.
5,55
